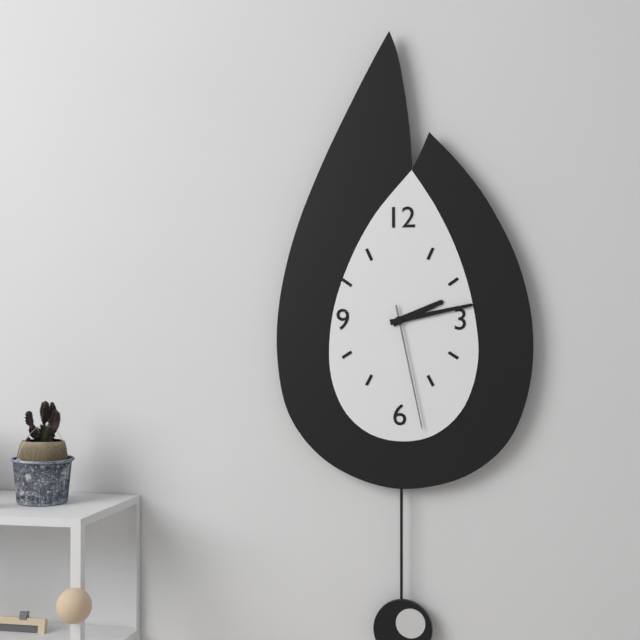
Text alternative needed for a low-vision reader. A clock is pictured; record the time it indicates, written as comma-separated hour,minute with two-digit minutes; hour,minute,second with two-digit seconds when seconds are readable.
2,13,28
